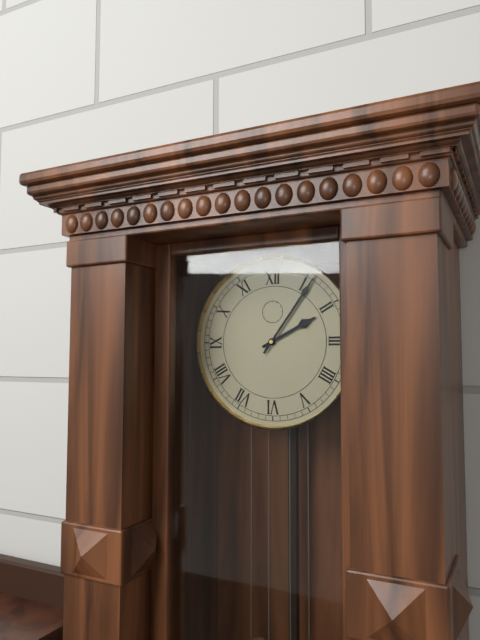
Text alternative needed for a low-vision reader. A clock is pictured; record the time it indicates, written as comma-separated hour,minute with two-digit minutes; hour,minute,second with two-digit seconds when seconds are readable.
2,06
